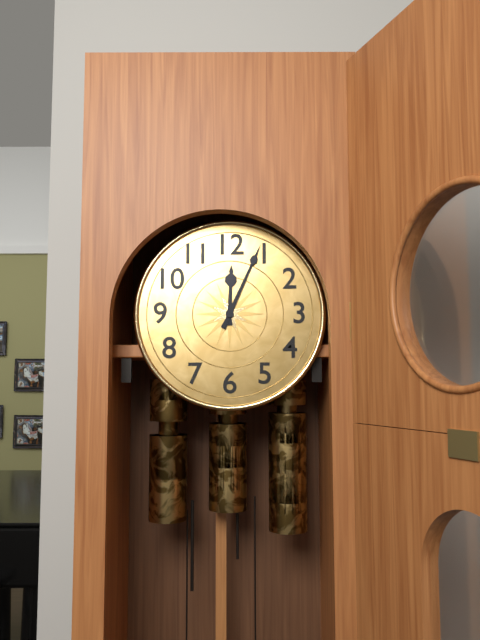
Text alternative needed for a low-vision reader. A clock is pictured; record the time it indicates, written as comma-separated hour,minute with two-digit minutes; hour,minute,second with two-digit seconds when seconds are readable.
12,04
